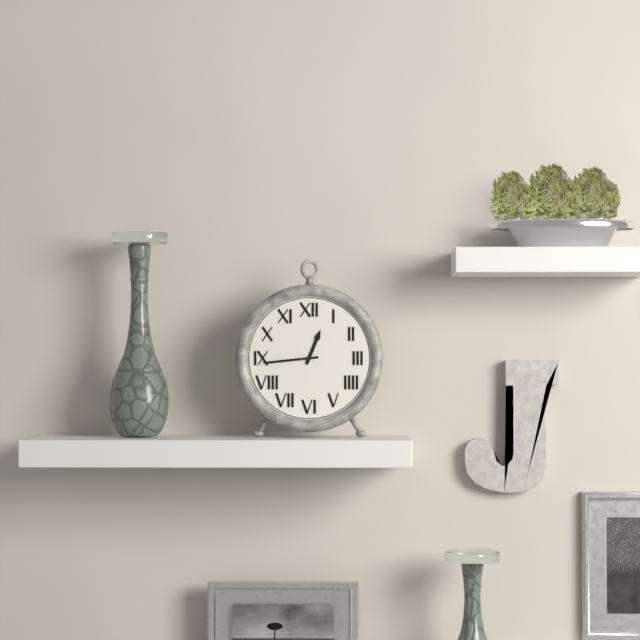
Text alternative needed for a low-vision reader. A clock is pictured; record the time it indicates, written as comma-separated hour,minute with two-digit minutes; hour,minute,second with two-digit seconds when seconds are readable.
12,44
